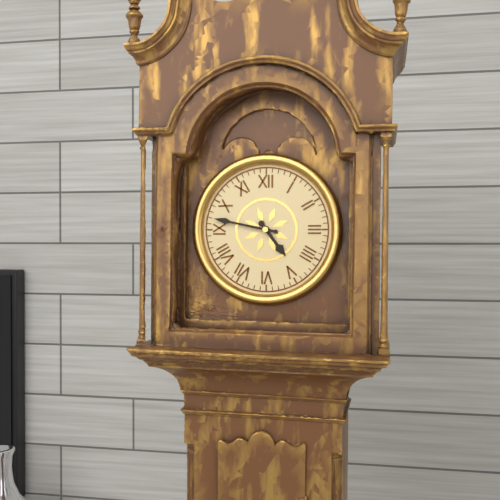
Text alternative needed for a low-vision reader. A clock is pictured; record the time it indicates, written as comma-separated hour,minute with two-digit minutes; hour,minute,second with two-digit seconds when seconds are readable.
4,47
